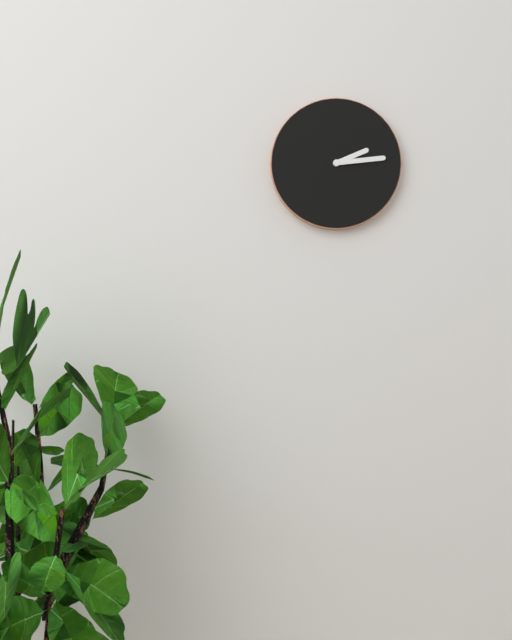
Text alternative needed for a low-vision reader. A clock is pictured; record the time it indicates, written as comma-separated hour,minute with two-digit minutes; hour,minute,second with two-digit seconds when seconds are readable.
2,14
